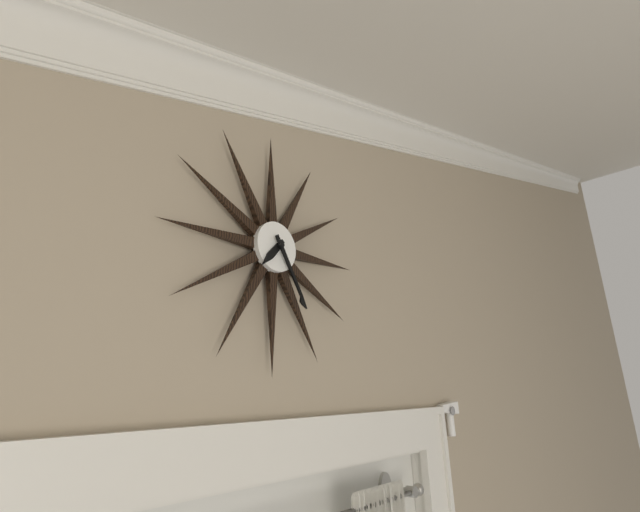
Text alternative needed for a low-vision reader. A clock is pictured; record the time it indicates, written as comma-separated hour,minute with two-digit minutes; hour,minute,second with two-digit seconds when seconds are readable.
7,25
